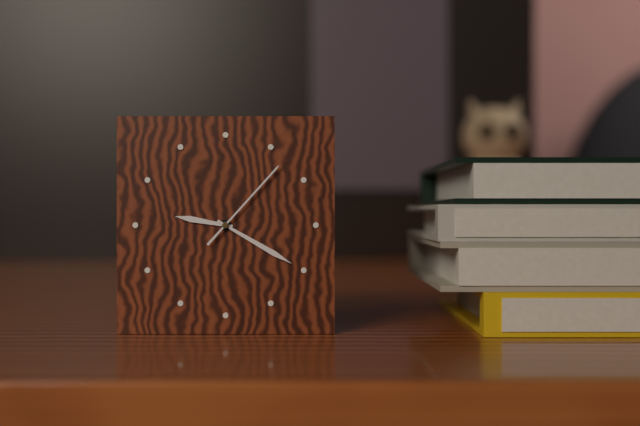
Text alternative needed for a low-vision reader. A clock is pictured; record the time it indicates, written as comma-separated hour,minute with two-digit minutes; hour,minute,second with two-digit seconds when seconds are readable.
9,20,07
